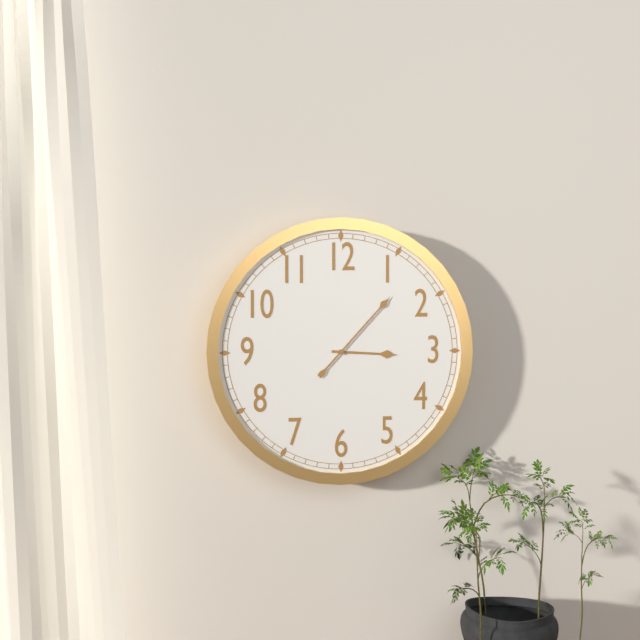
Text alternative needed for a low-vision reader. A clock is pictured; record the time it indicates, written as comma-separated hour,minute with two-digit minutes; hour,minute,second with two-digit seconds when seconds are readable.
3,07
